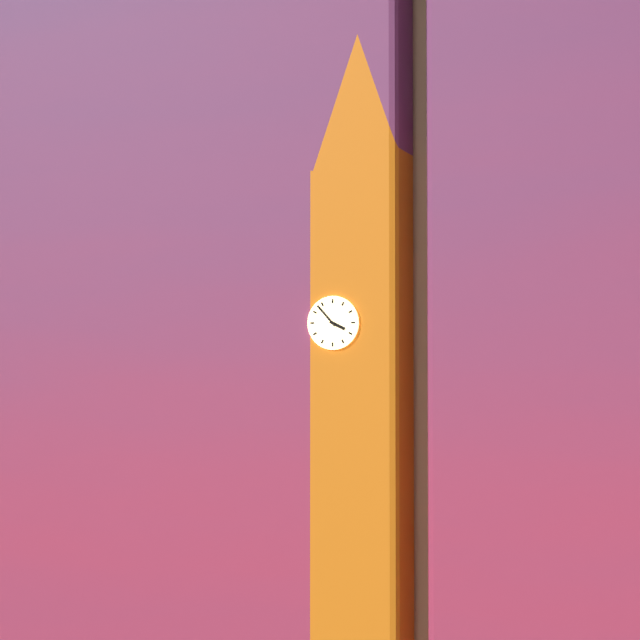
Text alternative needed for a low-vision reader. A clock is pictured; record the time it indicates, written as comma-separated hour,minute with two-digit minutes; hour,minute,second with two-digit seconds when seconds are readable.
3,53
